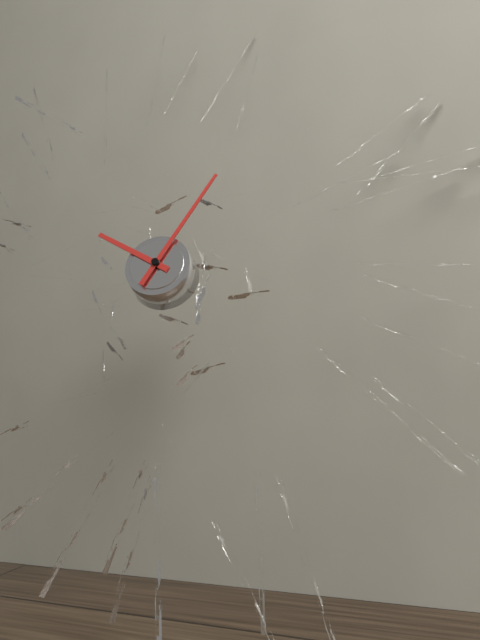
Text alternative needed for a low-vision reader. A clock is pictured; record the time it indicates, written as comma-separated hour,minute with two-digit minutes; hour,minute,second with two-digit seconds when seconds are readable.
10,05
